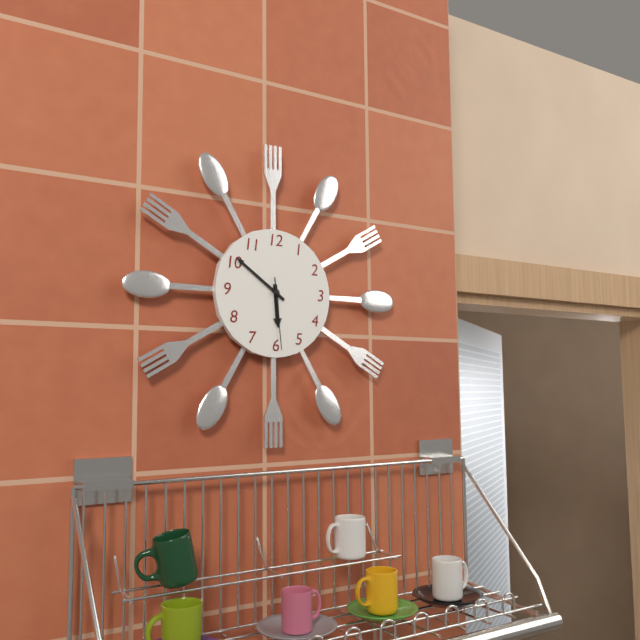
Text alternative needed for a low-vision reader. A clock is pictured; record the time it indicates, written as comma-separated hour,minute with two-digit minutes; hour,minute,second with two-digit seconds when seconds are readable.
5,51,29
